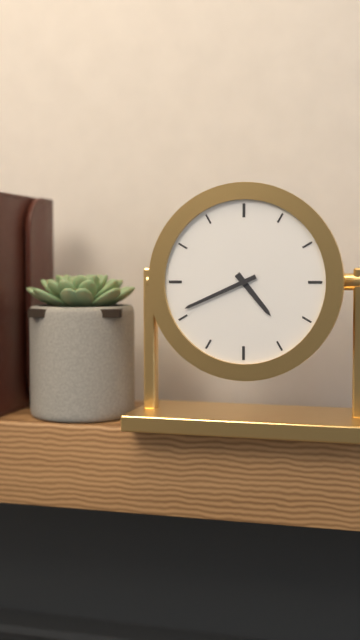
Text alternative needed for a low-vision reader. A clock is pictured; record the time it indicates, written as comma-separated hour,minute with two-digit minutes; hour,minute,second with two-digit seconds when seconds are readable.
4,41
